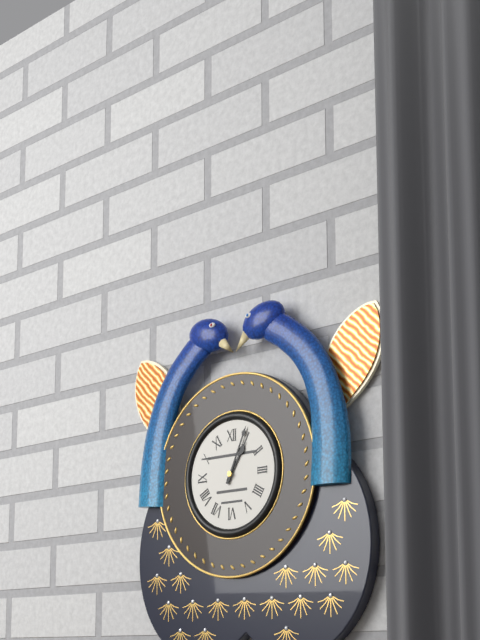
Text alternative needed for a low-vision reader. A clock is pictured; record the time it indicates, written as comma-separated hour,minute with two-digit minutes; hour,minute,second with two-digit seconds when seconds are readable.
1,04
